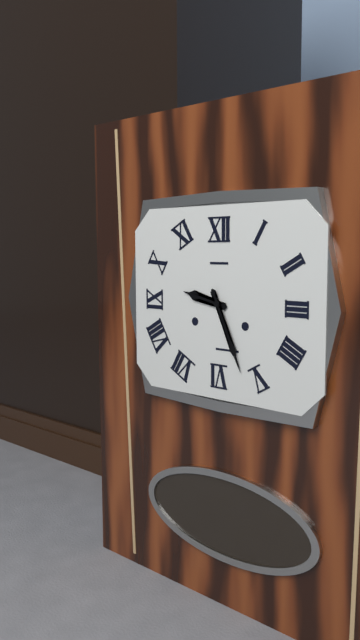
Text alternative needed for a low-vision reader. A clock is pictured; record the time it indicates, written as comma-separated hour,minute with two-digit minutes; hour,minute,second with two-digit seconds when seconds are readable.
9,26
